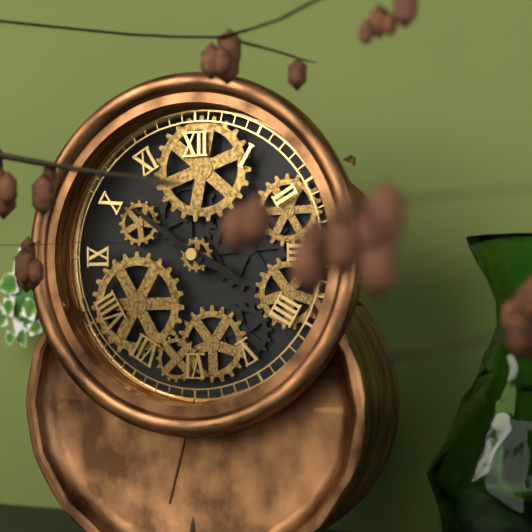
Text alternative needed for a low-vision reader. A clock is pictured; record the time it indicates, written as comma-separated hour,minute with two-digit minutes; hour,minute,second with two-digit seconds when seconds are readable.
3,51
